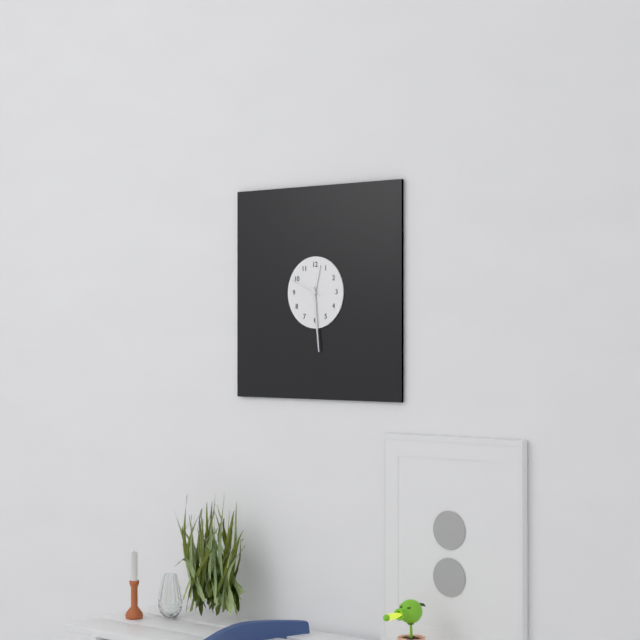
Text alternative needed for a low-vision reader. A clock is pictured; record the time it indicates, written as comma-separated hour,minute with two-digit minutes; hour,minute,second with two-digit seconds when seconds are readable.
12,29
